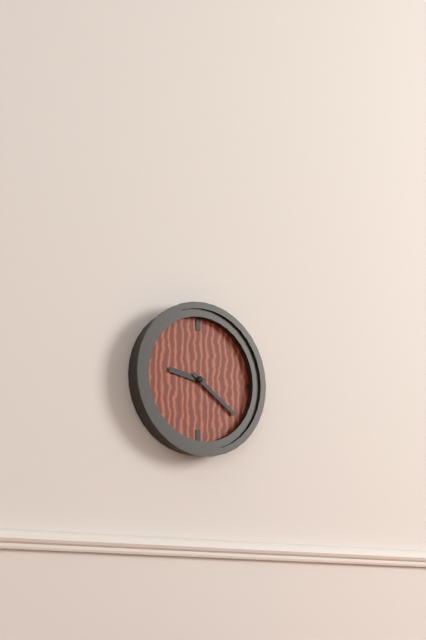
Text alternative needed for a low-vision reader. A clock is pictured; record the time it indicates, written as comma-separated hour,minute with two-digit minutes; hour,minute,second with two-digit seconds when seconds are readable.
9,21
